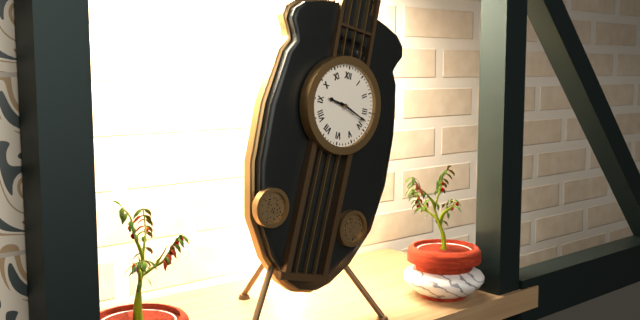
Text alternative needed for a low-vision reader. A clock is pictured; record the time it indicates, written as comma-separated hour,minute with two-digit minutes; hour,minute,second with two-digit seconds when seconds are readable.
9,18
